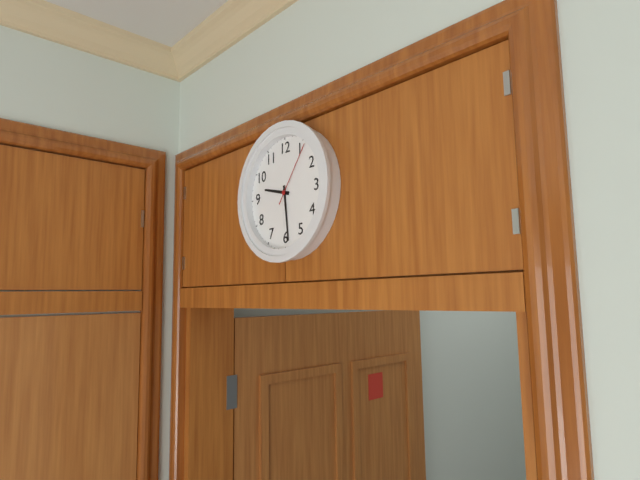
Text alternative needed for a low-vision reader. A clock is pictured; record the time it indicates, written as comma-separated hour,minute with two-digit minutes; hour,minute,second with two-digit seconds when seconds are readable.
9,29,06
